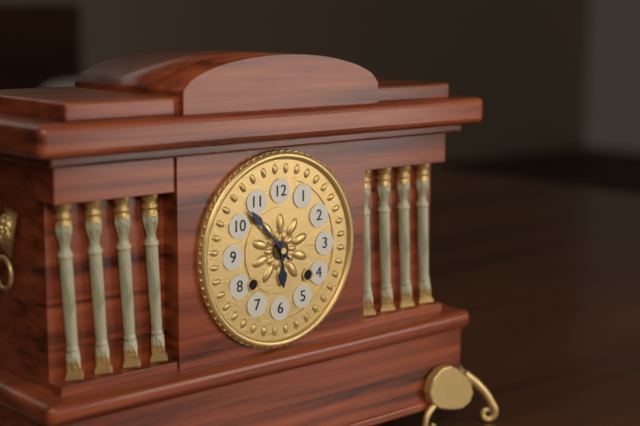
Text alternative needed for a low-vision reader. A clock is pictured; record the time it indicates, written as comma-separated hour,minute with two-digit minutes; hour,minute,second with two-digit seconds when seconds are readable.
5,53
